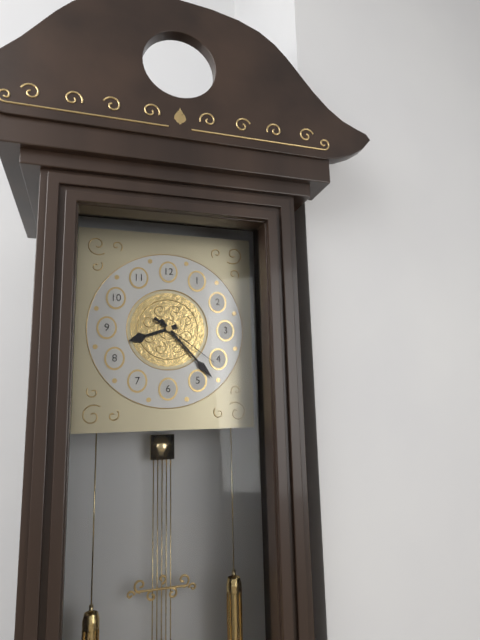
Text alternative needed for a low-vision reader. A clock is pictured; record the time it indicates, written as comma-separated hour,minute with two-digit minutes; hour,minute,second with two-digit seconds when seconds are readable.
8,23,21
